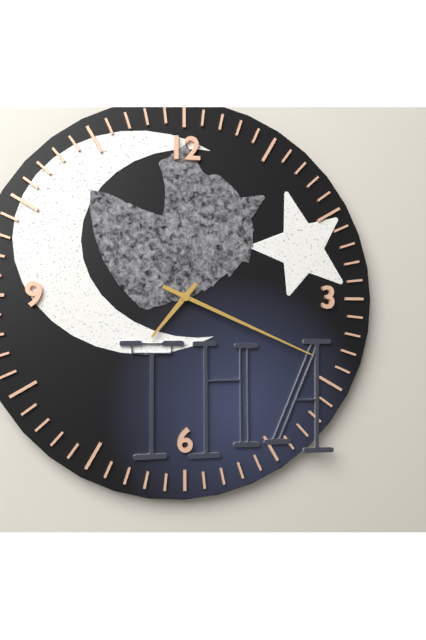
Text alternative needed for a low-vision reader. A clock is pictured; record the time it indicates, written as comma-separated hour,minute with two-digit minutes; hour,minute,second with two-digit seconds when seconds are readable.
7,19
